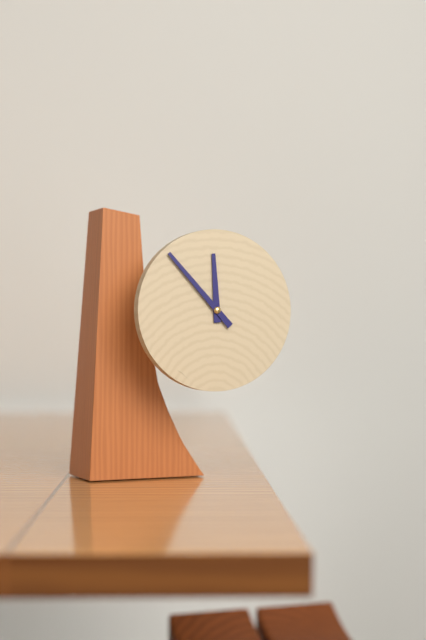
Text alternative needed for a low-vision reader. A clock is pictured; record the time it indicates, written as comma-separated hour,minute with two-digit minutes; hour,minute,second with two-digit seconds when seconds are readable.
11,53
